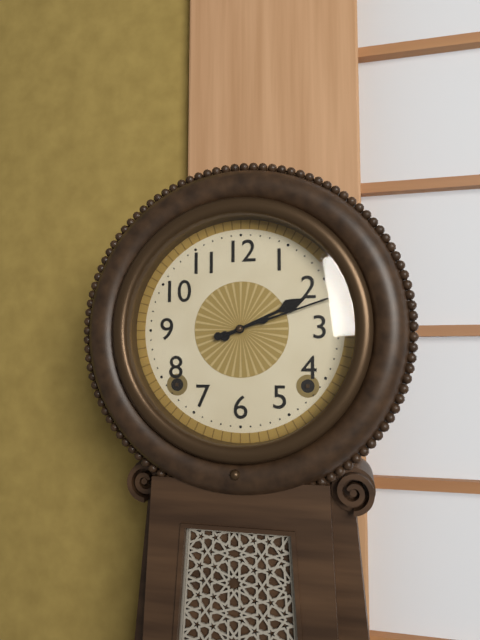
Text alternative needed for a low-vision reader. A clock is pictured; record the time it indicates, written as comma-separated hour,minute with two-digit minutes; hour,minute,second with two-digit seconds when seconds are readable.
2,12
